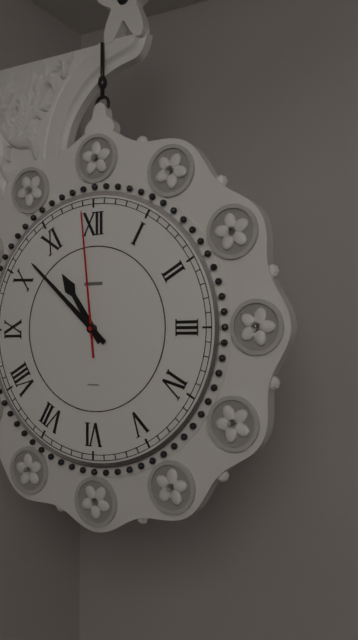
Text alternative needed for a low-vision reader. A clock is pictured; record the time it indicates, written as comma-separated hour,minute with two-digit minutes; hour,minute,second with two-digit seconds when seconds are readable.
10,52,59
